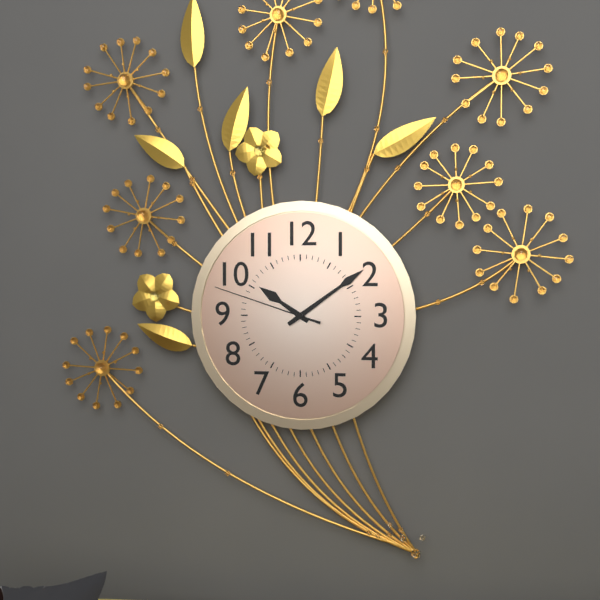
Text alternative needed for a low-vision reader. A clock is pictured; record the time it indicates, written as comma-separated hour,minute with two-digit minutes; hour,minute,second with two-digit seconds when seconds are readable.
10,09,48
